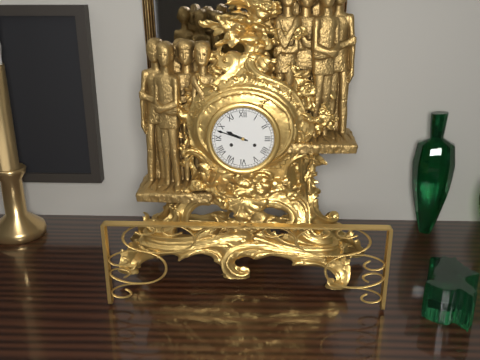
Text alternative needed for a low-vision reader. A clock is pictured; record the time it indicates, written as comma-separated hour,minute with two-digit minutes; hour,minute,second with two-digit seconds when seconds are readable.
9,48
